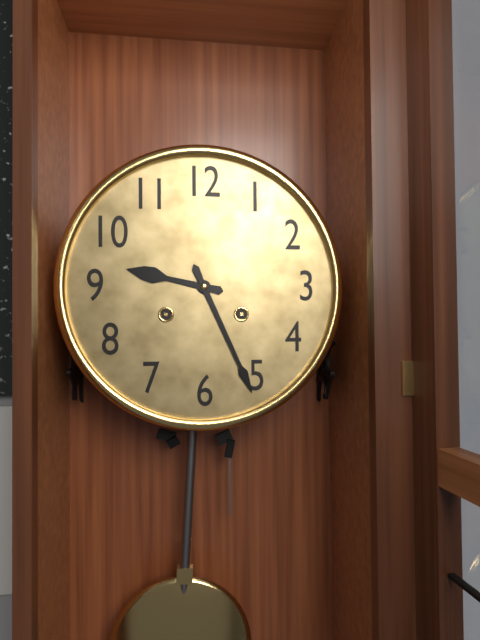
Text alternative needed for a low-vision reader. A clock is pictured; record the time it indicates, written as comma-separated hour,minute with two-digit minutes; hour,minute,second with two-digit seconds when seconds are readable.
9,26
